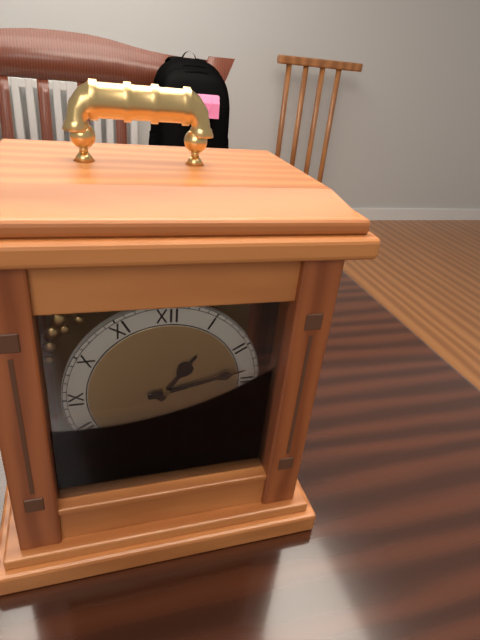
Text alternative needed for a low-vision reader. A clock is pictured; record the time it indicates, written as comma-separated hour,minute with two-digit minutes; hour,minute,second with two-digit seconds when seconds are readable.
1,13
